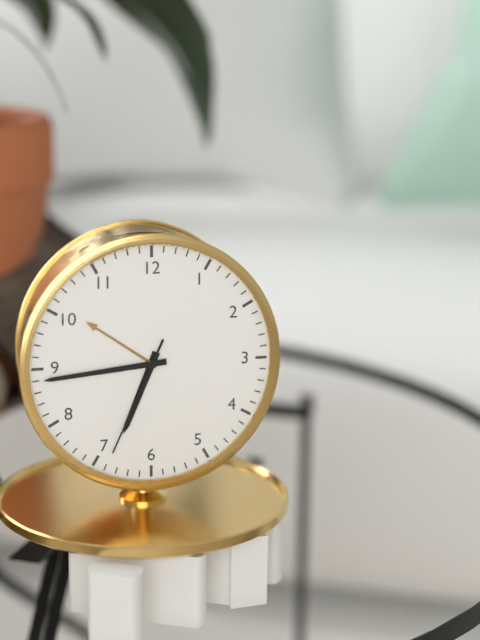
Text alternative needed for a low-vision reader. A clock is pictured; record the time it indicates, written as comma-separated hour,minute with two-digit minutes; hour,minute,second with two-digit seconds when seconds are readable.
6,44,34
